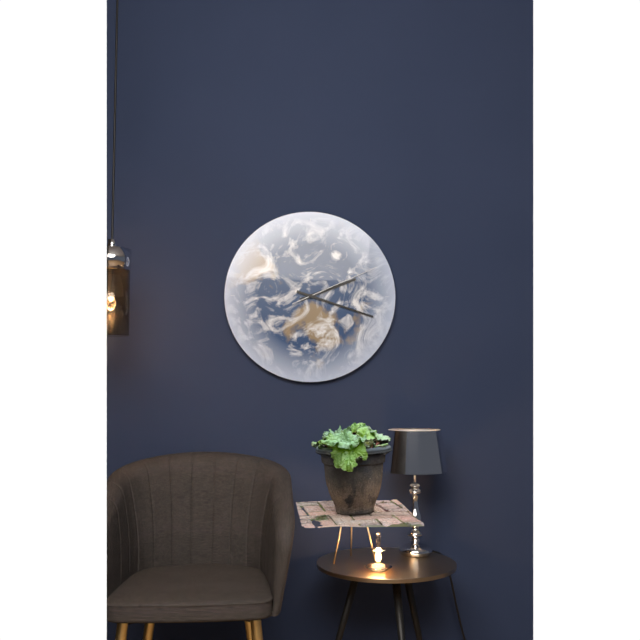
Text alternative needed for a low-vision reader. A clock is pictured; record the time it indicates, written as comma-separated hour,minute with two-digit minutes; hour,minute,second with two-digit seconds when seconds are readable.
2,18,11
